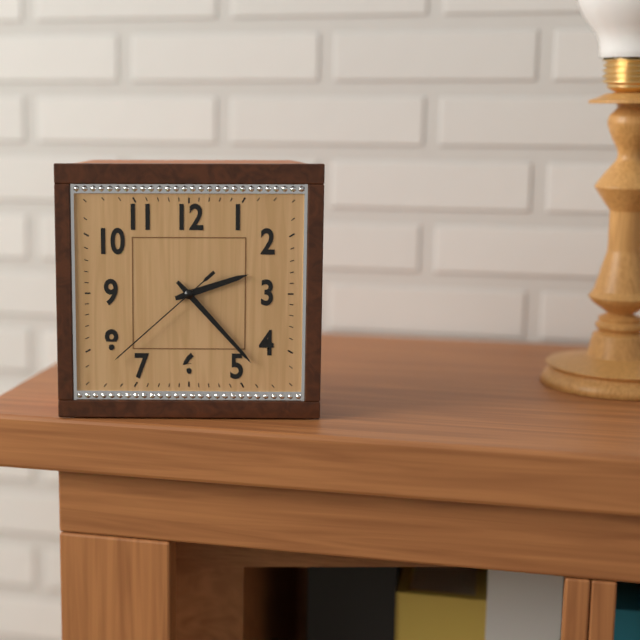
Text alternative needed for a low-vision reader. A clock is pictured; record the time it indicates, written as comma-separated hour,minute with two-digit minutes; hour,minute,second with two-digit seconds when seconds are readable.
2,23,38
